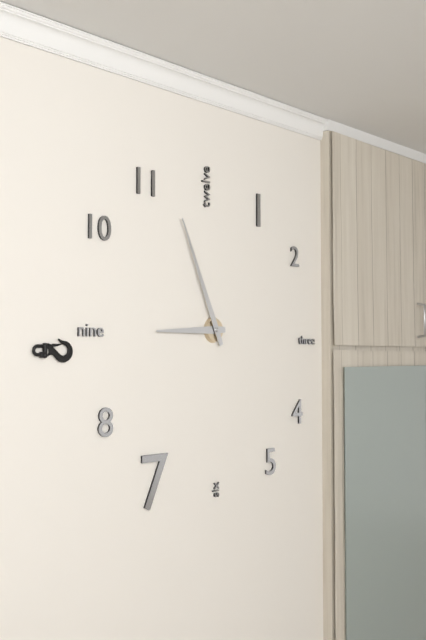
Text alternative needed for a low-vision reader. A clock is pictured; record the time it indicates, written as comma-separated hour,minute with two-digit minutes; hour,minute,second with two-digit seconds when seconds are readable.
8,56
